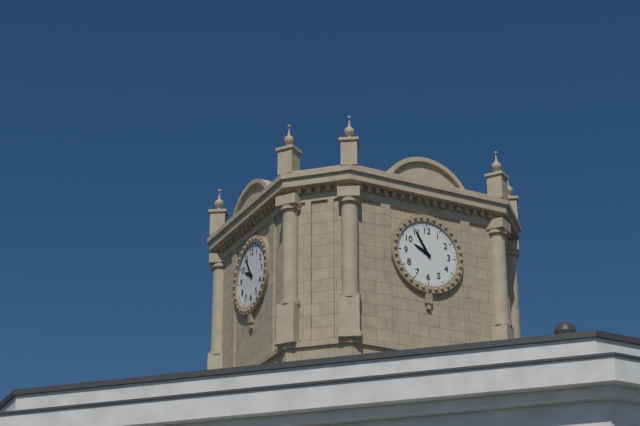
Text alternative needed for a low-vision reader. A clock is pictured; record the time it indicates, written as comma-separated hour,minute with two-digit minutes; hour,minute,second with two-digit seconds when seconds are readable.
9,55
